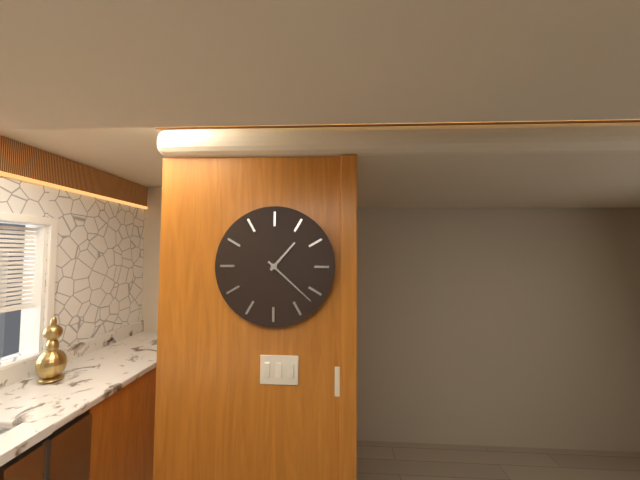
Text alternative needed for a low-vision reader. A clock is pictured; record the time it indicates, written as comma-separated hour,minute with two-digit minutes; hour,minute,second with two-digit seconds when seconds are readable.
1,22
